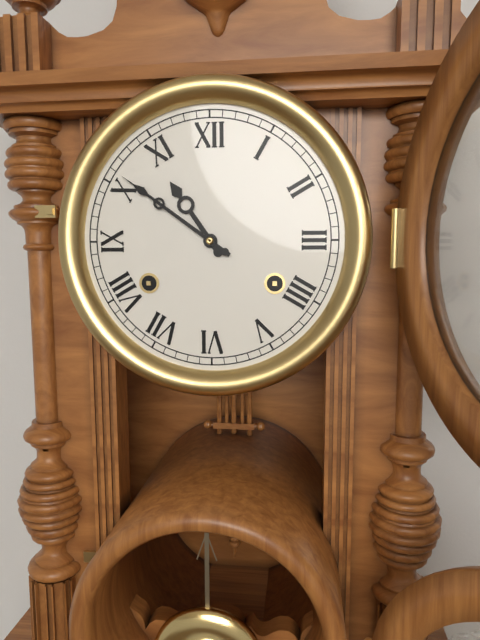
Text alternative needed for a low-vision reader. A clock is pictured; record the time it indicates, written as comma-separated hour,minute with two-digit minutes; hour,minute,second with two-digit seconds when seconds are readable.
10,51
